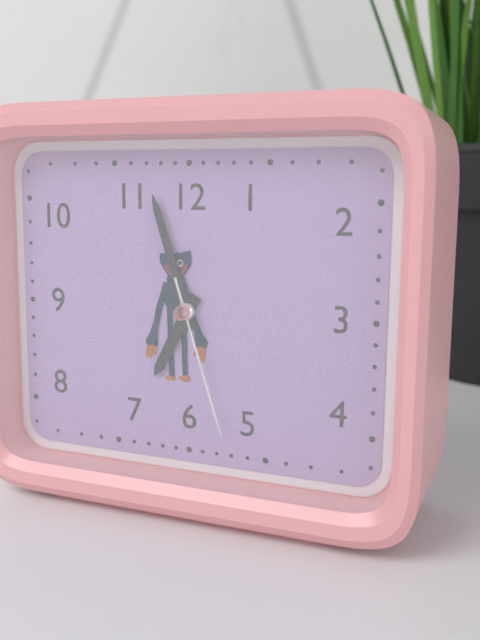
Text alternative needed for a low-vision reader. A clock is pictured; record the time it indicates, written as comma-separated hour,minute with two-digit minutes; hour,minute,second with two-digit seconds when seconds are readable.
6,57,27
